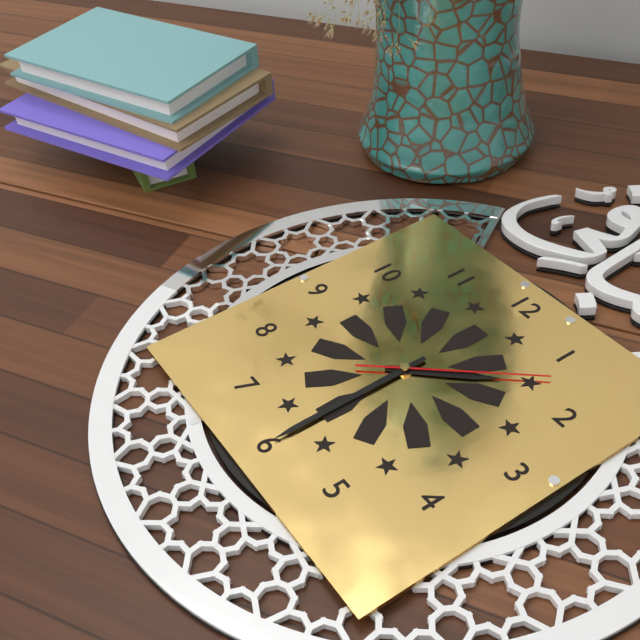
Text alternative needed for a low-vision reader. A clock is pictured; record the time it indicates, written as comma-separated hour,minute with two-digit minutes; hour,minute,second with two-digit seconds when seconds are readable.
1,30,07
